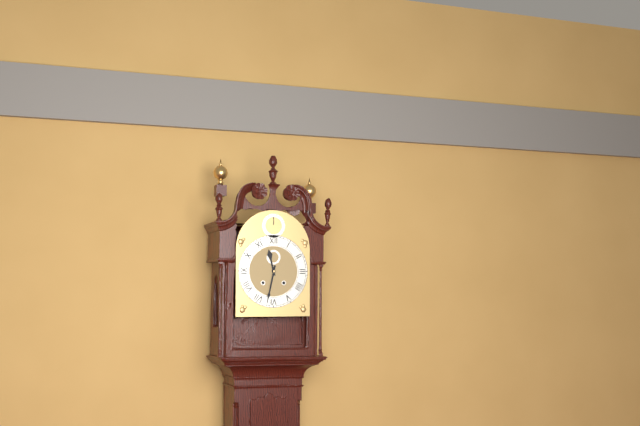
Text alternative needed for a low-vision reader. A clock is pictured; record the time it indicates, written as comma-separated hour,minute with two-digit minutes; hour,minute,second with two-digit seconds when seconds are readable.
11,32
